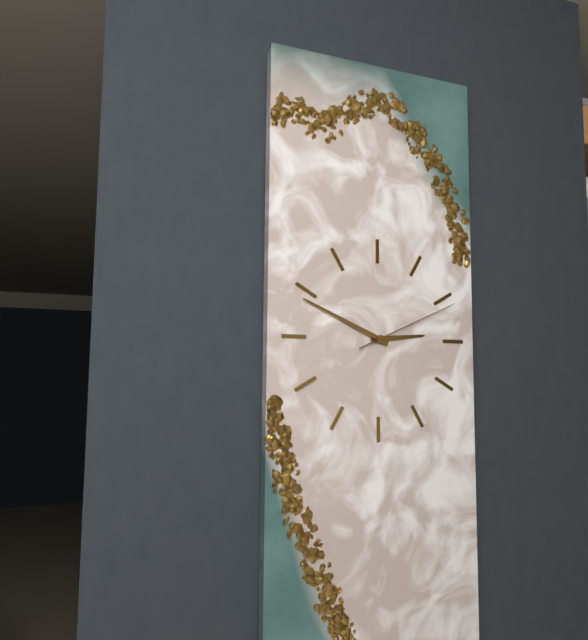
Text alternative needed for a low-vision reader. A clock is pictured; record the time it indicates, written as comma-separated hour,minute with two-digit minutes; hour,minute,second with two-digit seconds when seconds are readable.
2,49,11
